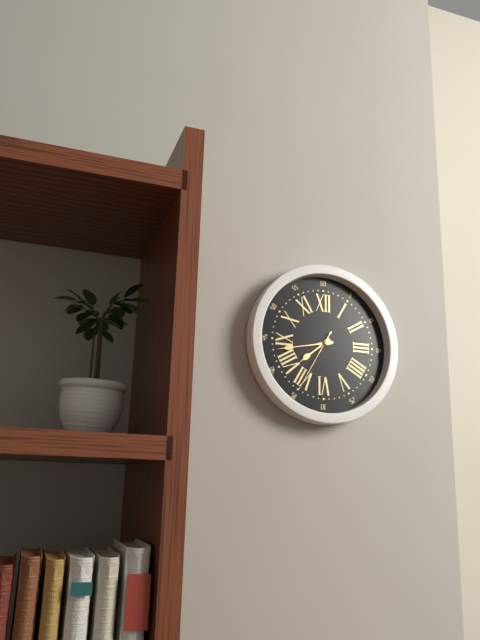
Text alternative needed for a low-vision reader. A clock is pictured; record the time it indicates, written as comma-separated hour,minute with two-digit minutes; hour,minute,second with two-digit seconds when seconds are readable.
7,43,35
